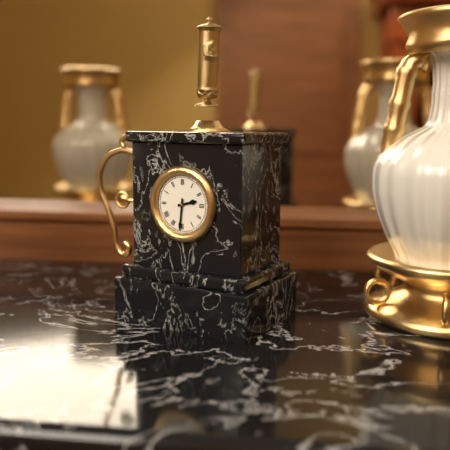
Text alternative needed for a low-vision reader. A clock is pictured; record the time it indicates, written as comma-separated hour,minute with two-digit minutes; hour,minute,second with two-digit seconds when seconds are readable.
2,31
